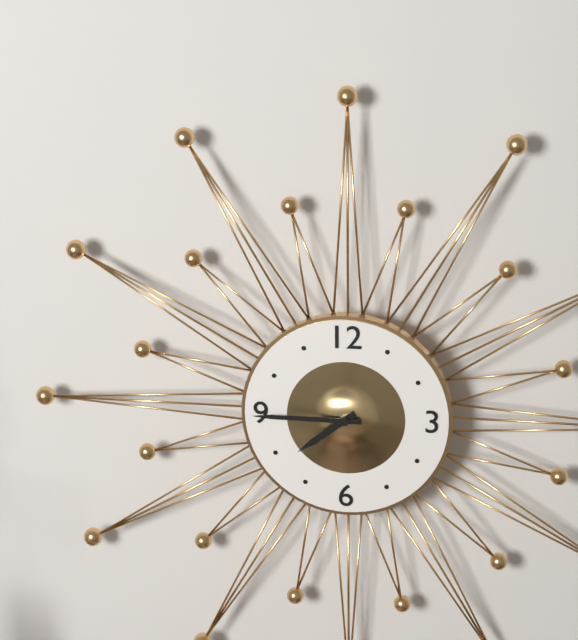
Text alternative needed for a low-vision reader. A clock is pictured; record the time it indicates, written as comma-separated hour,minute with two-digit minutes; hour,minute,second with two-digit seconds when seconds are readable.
7,45
